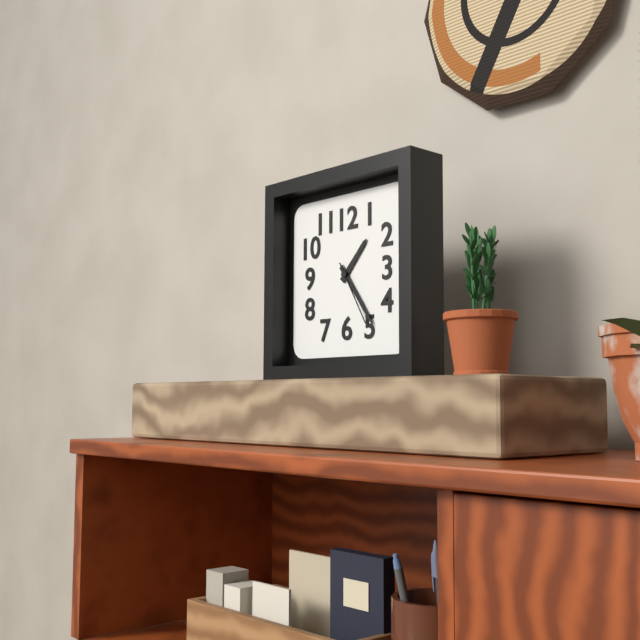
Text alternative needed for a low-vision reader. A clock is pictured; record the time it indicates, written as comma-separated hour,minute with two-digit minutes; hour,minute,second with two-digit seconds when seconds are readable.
1,24,25
